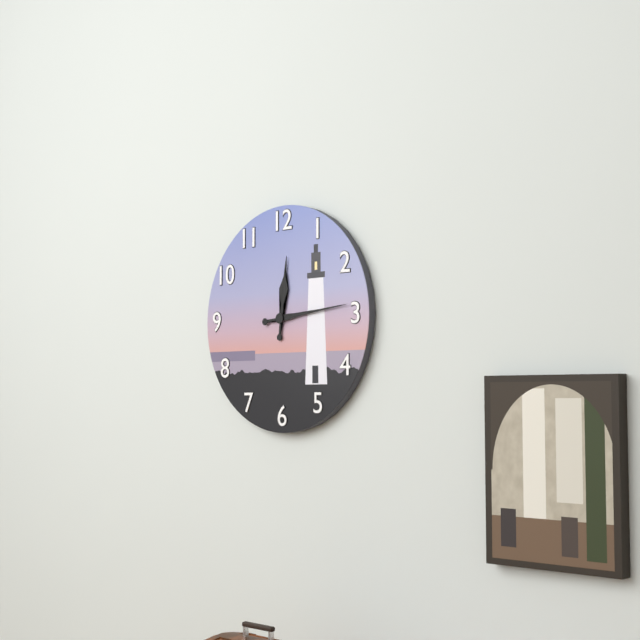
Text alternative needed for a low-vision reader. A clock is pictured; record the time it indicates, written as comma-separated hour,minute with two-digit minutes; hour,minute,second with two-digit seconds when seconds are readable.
12,14
